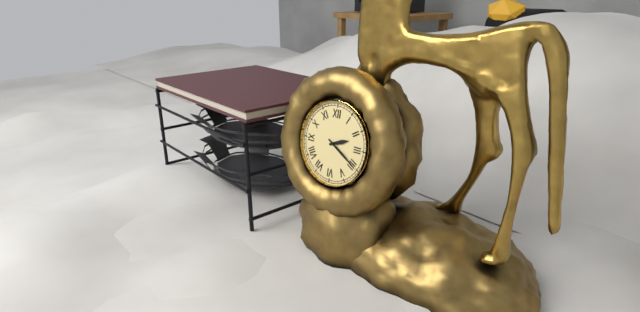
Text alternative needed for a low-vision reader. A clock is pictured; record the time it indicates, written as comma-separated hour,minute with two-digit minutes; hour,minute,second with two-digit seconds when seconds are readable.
2,20
